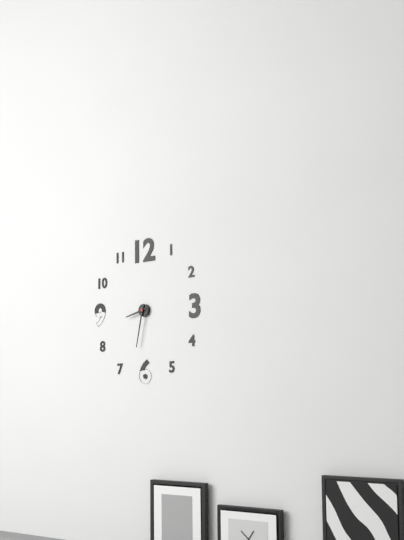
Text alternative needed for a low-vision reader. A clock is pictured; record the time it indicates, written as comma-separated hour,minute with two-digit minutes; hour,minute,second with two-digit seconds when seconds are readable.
8,32
